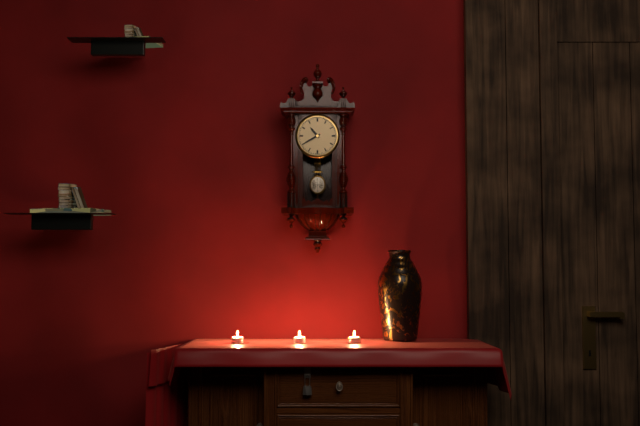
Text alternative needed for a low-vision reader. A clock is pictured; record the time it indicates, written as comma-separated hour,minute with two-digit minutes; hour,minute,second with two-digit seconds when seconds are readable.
10,40
